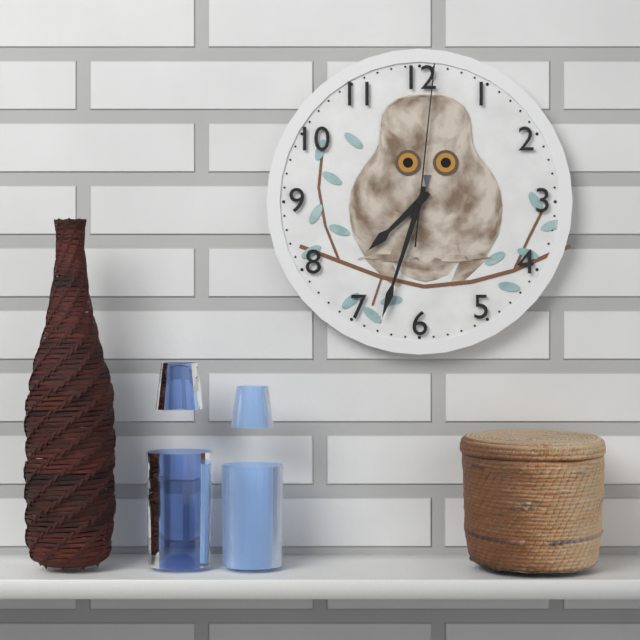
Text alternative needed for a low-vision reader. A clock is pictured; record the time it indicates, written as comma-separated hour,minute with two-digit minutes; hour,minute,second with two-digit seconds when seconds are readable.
7,33,01
